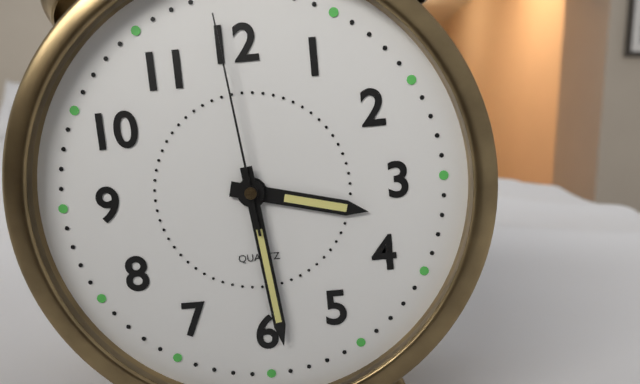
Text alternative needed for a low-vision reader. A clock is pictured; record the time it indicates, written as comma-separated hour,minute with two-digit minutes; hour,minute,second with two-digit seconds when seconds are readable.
3,29,59
